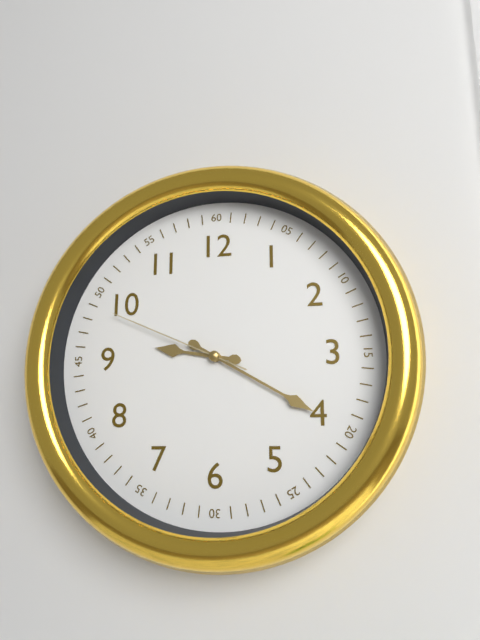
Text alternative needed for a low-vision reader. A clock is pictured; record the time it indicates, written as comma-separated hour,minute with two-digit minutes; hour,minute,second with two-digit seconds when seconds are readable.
9,20,49
